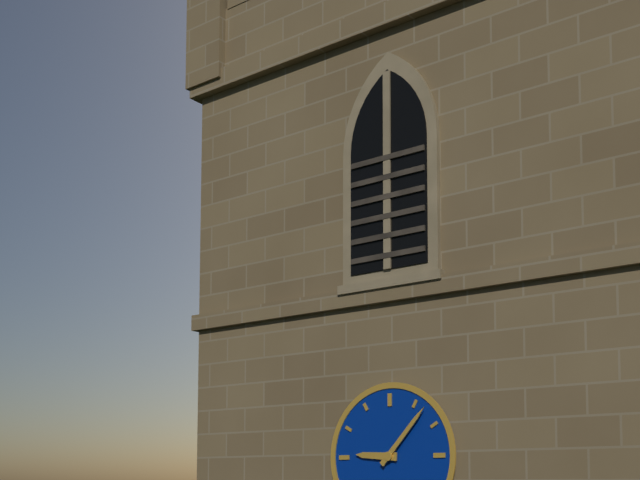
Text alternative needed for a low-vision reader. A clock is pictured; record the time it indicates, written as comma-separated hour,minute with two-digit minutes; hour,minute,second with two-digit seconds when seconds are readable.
9,07
